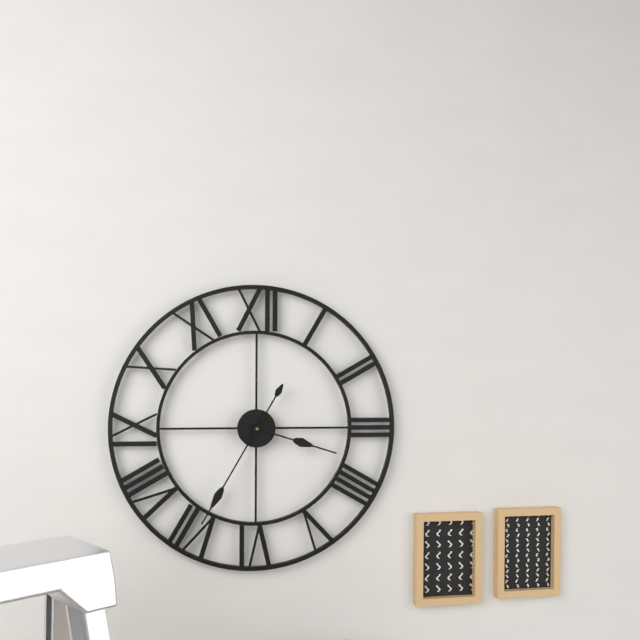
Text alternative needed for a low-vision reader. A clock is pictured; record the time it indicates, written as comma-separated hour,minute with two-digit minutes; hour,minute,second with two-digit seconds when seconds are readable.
3,35
